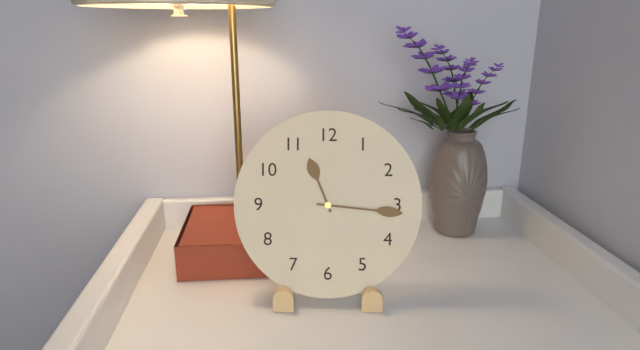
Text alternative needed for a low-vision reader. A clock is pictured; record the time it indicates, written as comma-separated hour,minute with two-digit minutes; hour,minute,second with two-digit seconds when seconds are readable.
11,16
